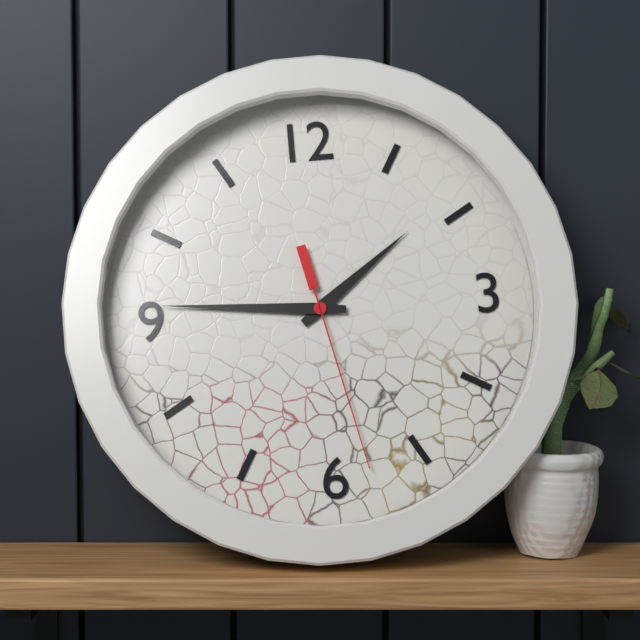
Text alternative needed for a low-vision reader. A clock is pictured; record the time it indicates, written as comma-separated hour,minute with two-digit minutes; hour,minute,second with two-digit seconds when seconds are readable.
1,46,28
